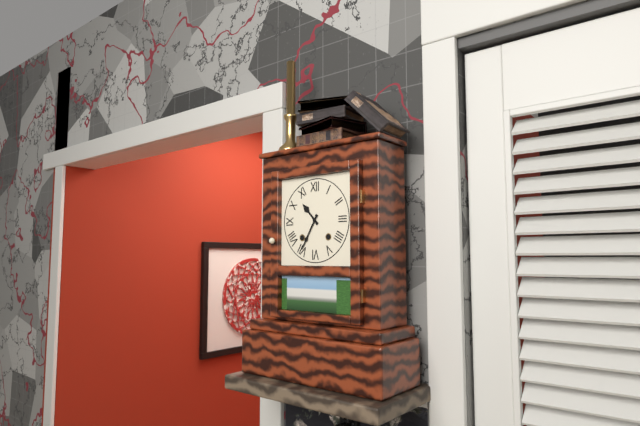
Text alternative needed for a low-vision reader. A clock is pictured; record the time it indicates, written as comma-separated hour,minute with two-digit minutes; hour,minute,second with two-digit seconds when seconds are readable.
10,35
